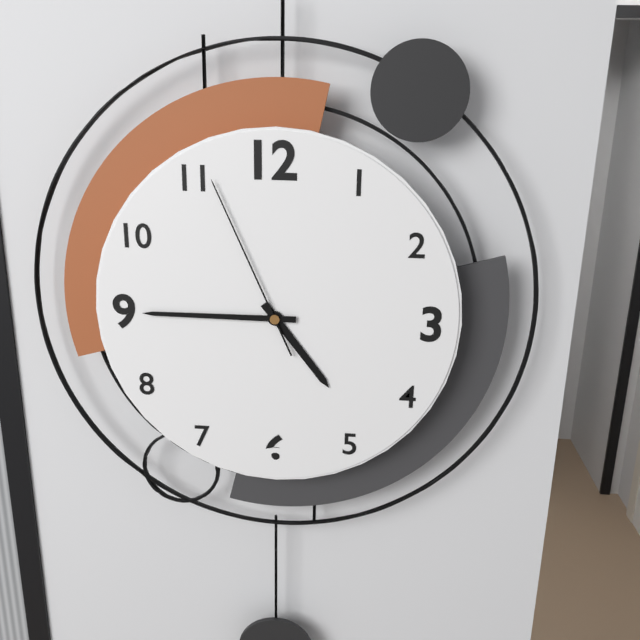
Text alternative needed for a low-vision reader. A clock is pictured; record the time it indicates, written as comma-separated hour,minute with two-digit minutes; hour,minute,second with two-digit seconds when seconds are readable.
4,45,56
